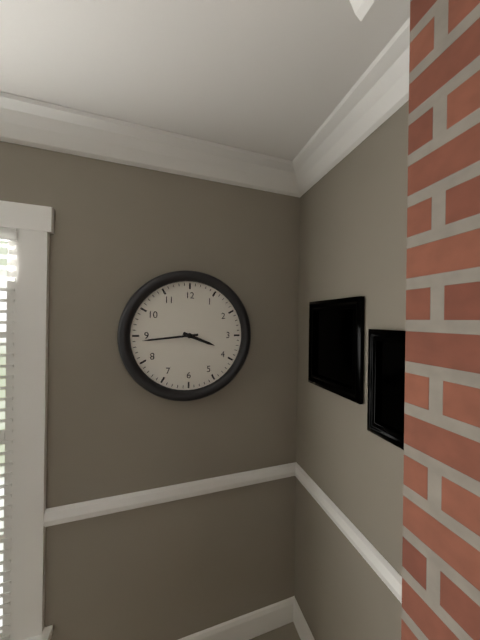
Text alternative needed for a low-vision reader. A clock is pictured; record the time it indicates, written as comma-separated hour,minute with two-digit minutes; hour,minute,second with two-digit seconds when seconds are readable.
3,44
